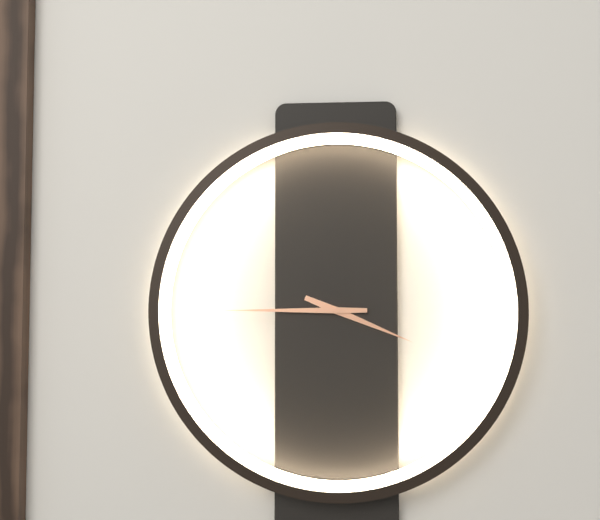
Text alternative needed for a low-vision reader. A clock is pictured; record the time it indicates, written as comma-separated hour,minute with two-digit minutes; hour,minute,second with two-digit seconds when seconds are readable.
3,45
